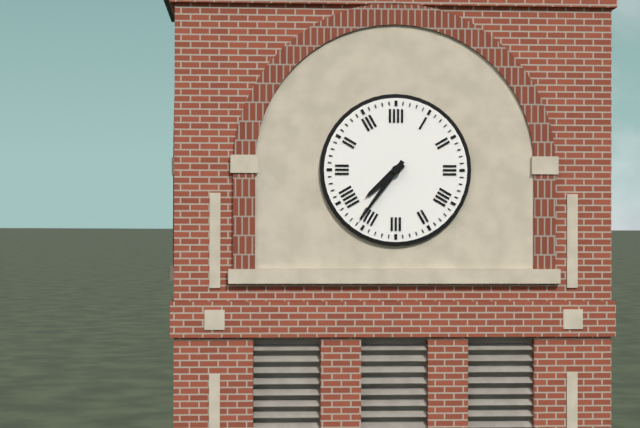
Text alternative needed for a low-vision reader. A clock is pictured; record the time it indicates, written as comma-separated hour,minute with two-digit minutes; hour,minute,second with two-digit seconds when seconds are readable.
7,36
